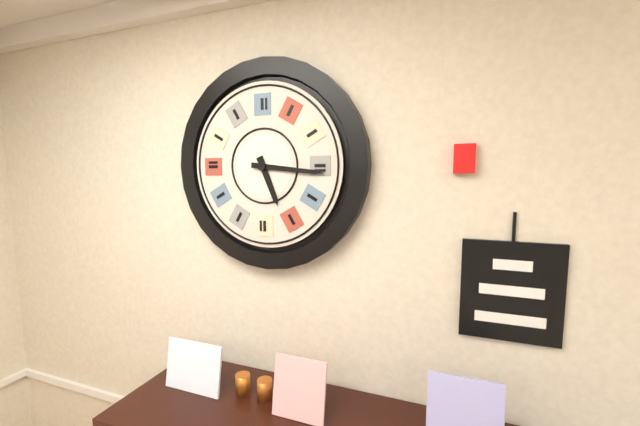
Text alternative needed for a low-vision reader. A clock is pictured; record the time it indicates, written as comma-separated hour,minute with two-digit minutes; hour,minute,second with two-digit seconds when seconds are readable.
5,16
